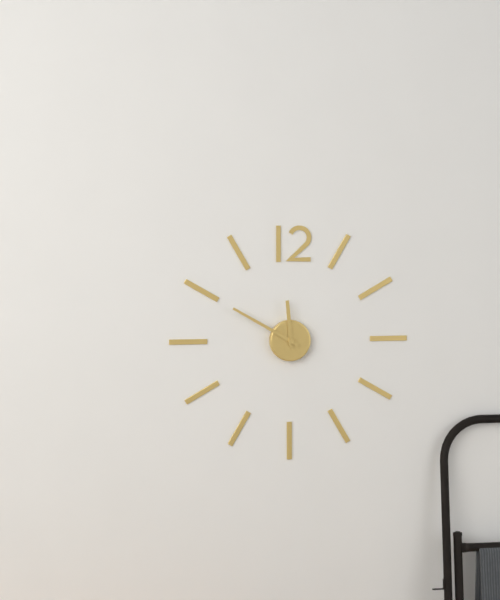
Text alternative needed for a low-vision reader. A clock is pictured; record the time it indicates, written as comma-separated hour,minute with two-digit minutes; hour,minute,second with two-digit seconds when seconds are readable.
11,50
